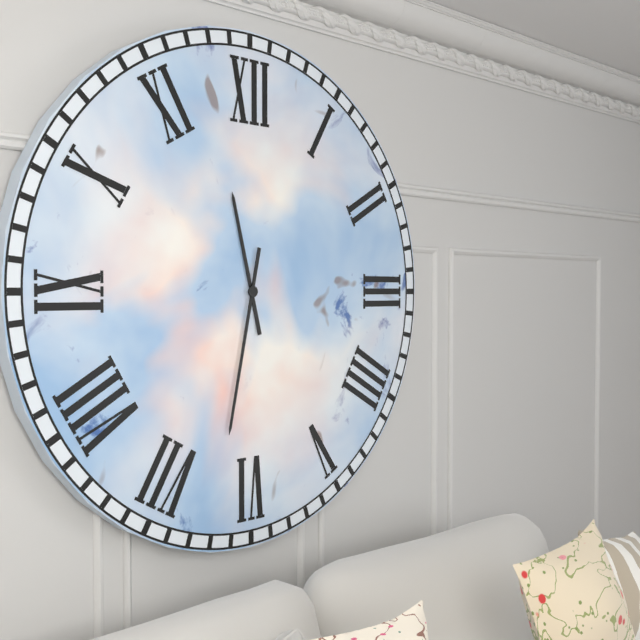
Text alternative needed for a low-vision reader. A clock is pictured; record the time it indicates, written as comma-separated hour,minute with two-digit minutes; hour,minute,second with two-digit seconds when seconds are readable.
11,32
